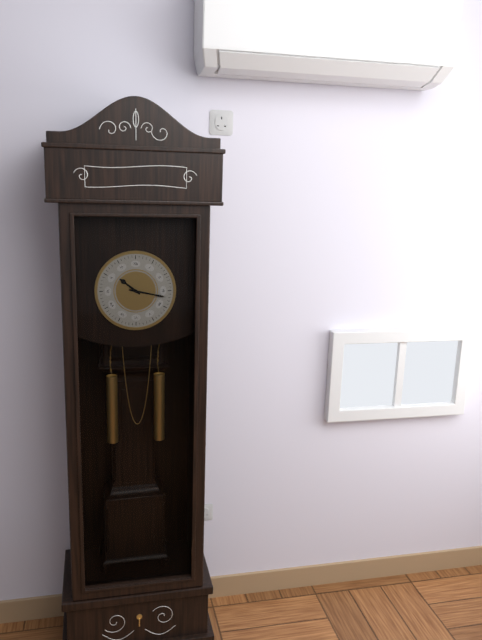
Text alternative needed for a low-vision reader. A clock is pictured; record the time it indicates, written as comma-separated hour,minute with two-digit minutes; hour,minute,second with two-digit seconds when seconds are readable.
10,17
